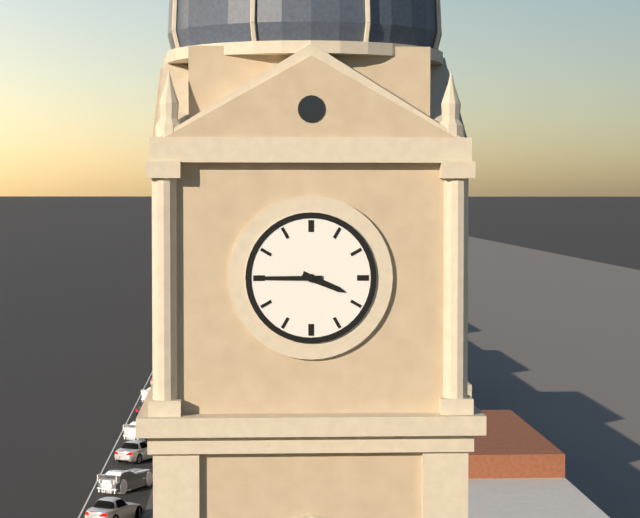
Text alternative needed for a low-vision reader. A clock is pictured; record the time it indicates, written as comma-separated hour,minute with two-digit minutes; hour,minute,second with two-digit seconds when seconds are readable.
3,45
